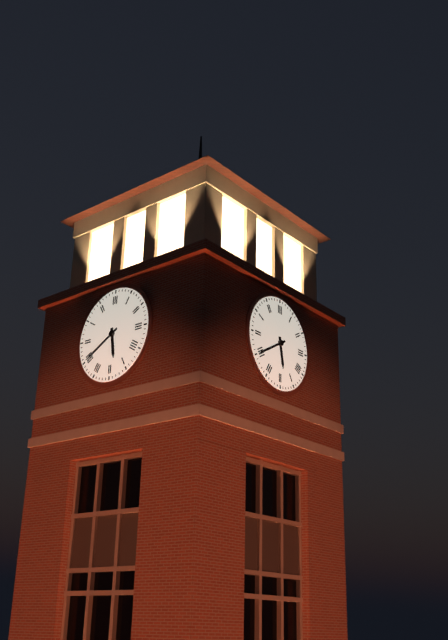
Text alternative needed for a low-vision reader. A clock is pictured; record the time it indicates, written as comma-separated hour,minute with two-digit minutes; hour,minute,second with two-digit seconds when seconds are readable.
5,40
